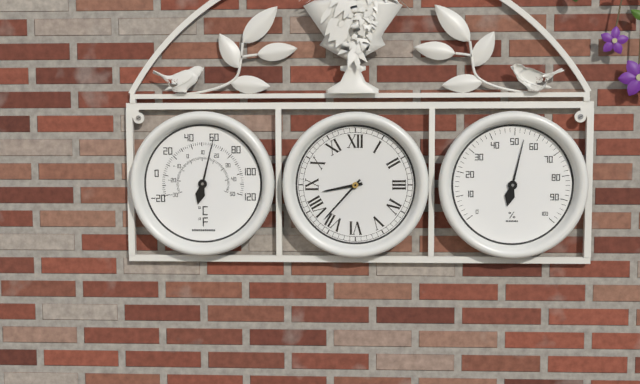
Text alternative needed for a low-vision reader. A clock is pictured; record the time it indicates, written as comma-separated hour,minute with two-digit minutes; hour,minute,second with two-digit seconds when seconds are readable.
8,37
